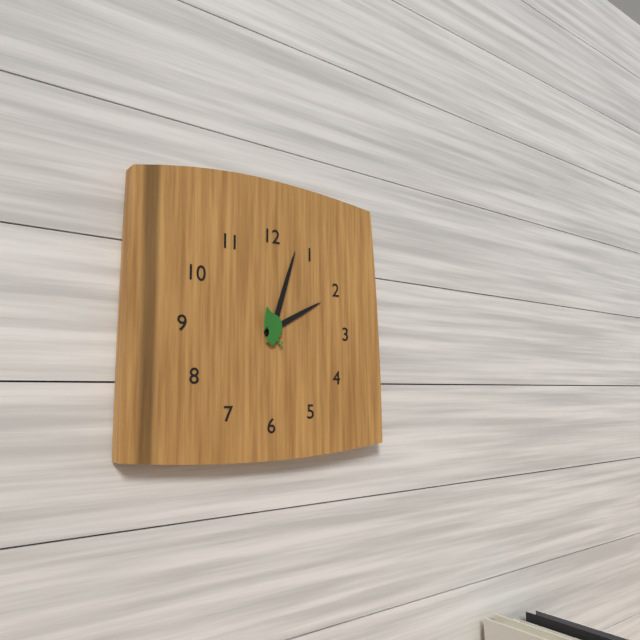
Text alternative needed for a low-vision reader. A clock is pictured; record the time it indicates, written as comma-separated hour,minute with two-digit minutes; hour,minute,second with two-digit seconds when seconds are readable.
2,03
